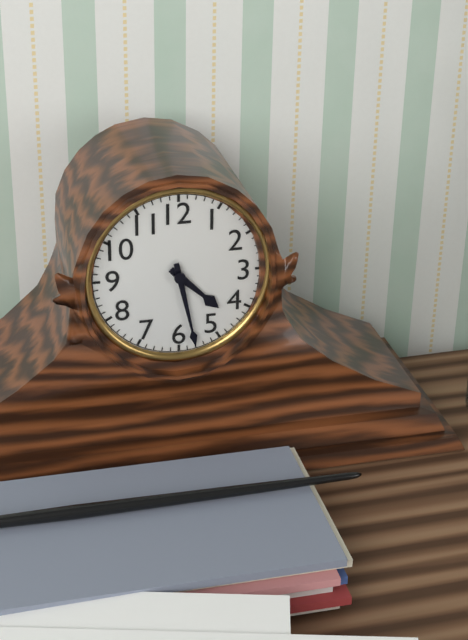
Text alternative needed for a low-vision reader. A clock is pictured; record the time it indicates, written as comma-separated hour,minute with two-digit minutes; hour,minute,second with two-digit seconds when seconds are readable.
4,28
